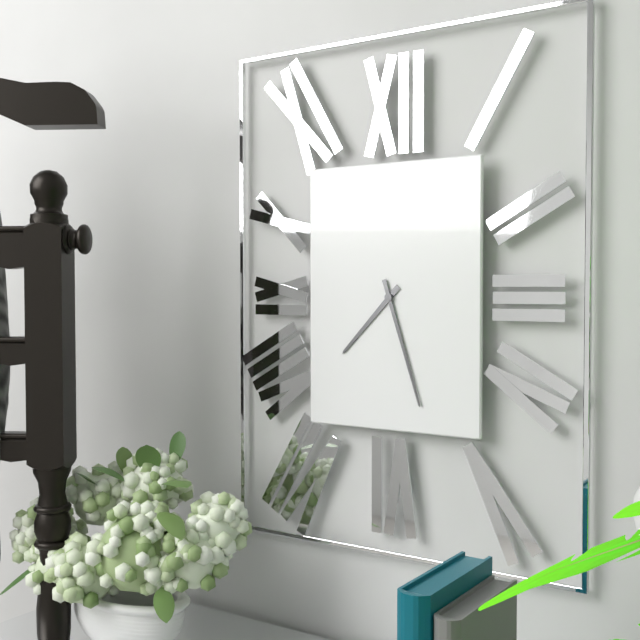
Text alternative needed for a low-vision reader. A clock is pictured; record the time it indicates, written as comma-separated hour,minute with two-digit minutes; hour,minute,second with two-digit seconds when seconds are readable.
7,27
